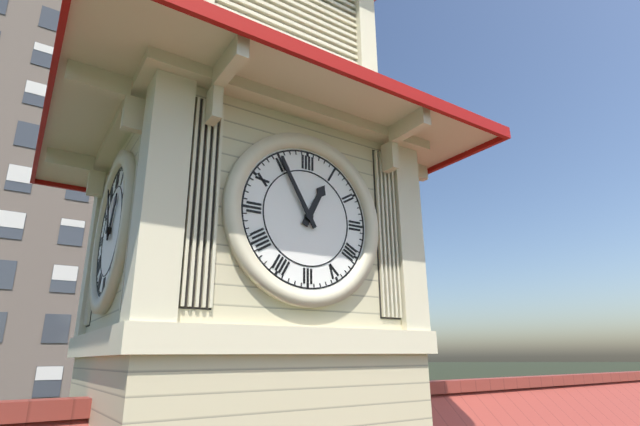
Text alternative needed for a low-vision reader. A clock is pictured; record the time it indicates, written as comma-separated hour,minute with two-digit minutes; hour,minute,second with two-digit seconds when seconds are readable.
12,55
